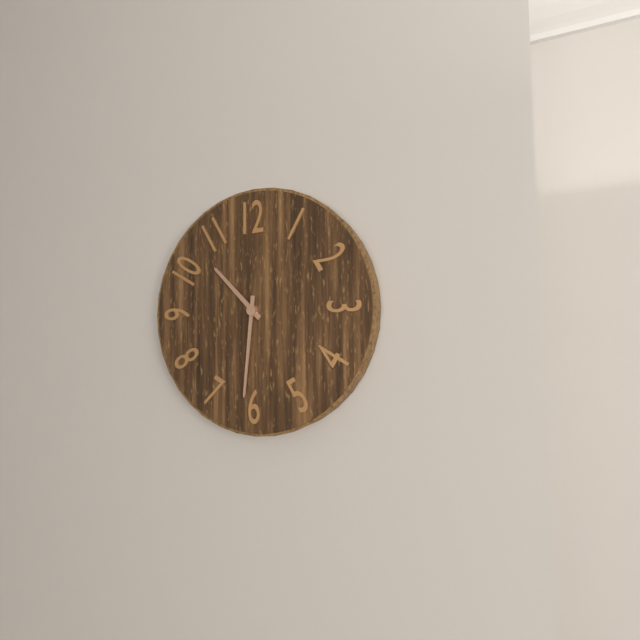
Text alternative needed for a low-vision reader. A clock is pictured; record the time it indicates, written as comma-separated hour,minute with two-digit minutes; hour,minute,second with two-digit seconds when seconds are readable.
10,31
